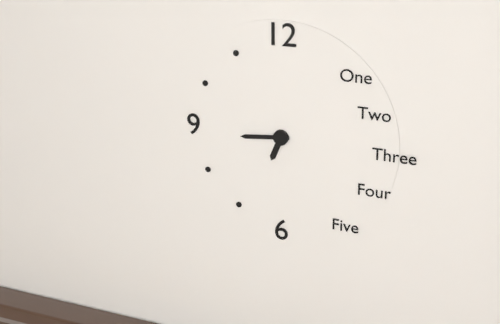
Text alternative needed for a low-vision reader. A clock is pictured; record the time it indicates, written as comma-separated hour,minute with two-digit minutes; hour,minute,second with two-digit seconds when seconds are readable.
6,44
